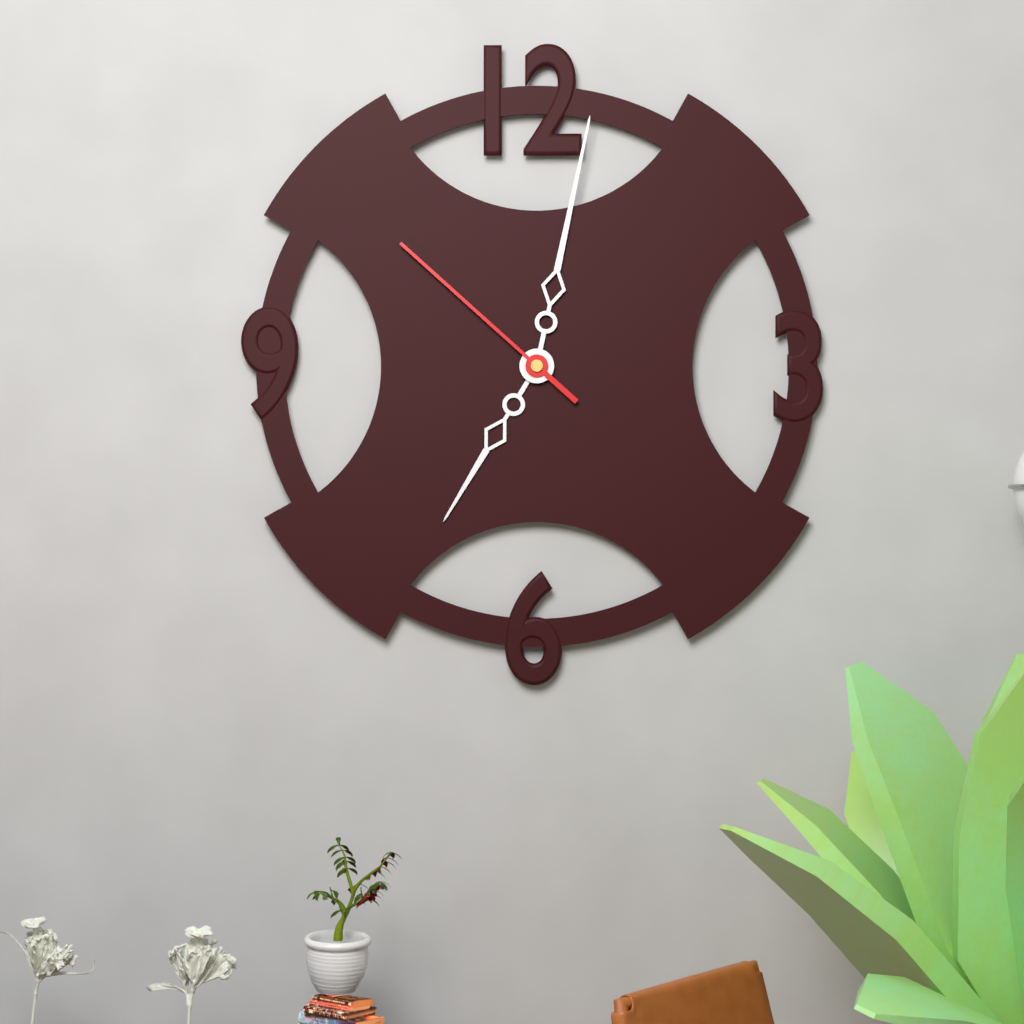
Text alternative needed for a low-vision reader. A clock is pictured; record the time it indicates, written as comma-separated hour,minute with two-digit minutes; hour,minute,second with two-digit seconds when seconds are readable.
7,02,52
